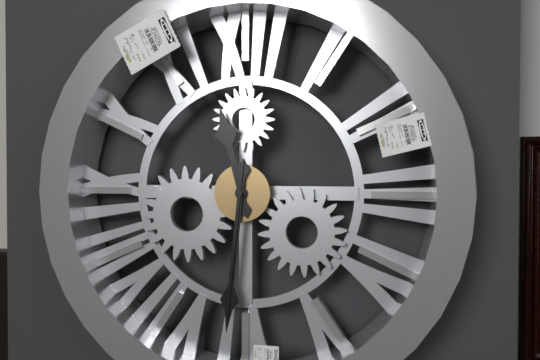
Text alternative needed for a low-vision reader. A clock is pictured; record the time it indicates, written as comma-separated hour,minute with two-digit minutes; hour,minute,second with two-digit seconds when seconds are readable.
11,31,31
